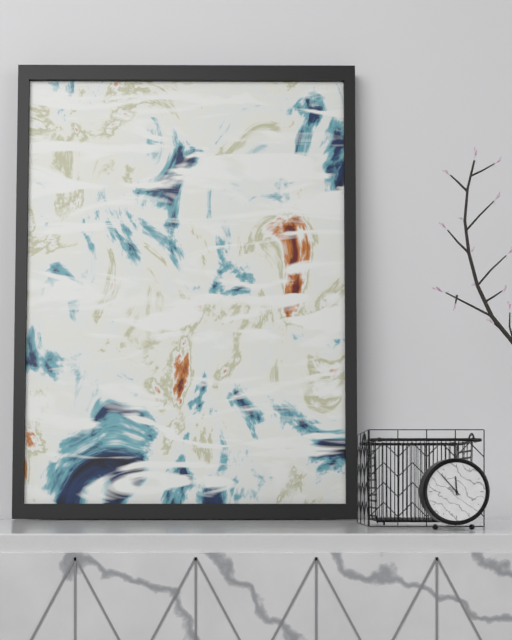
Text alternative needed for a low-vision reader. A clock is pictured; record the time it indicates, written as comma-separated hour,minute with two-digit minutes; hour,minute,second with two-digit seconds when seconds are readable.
11,53
